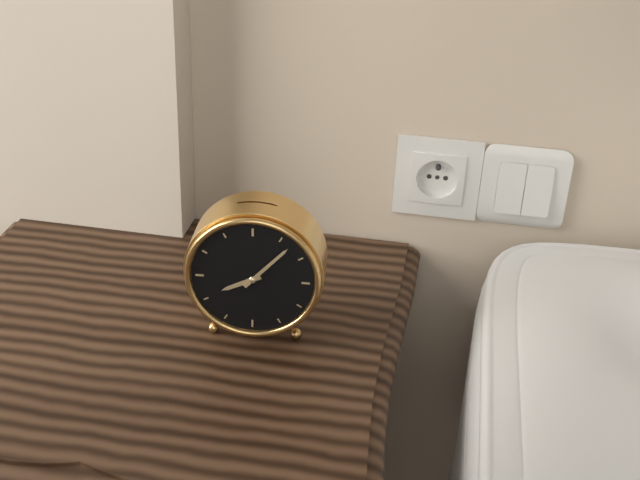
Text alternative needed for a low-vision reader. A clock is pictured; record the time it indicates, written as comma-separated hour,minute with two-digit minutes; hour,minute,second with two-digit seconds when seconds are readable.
8,07
